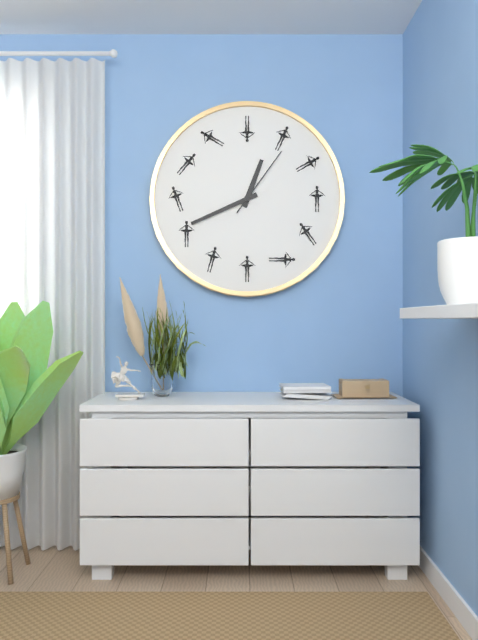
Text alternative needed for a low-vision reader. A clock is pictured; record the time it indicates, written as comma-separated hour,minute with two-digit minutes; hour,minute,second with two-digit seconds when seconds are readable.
12,41,06
